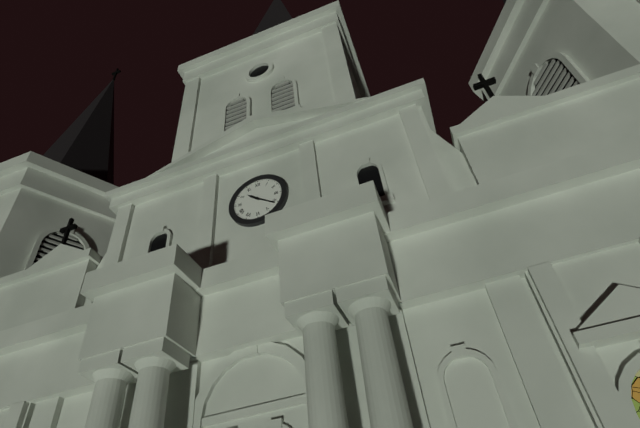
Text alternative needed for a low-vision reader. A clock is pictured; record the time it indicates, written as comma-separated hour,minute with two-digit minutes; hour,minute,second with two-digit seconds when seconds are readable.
10,21
